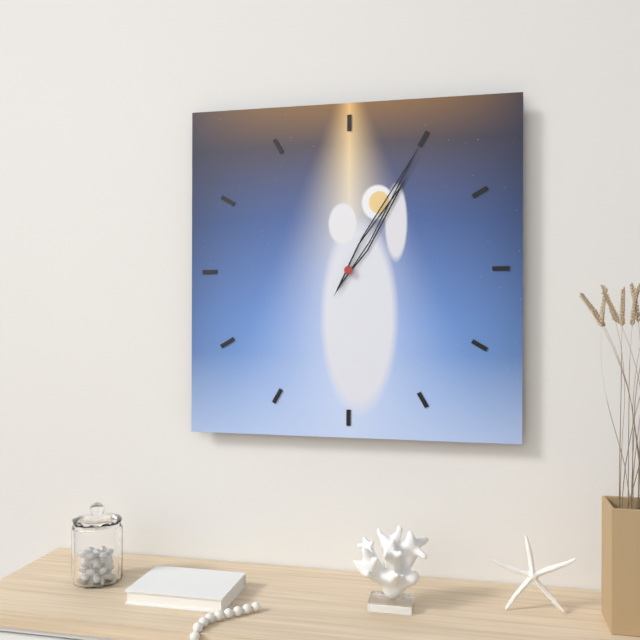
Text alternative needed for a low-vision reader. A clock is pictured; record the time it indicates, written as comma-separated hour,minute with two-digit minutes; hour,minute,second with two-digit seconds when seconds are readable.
1,05
